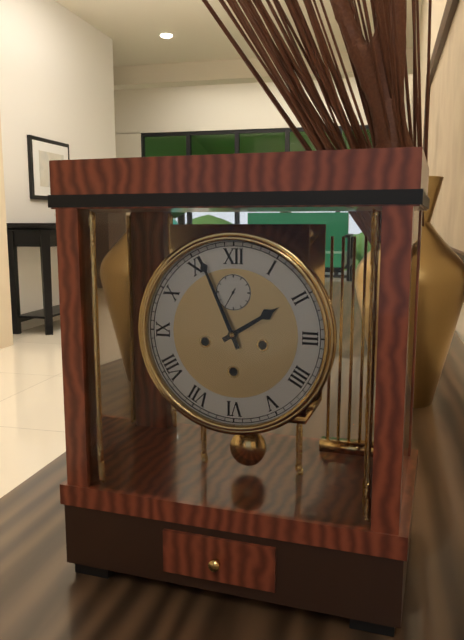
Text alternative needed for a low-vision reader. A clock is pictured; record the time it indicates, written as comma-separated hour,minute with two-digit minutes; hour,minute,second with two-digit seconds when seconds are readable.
1,56
